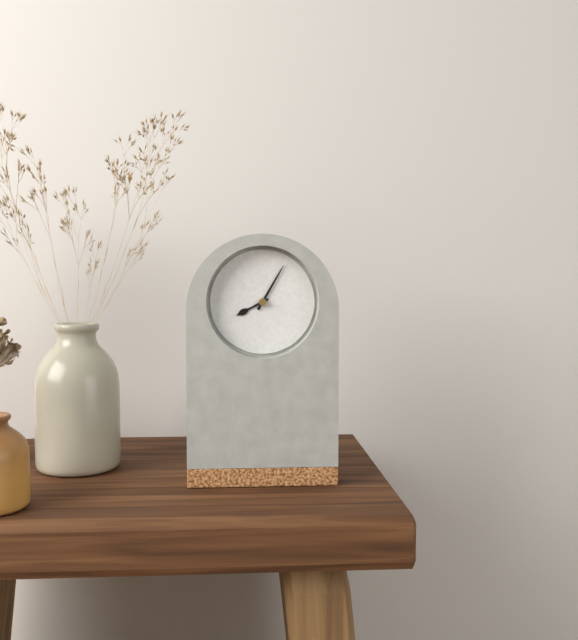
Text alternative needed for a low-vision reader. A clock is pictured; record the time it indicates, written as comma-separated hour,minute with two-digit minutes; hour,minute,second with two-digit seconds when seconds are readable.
8,05
